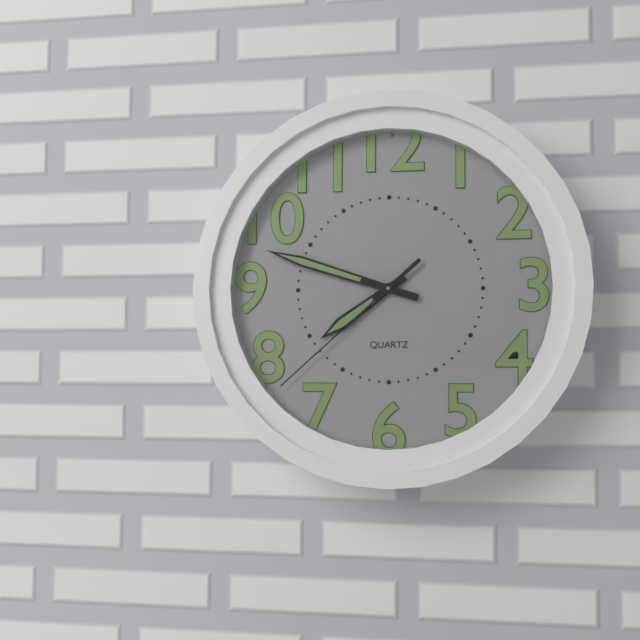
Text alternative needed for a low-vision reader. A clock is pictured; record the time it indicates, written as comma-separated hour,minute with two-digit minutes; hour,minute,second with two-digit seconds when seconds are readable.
7,48,38
